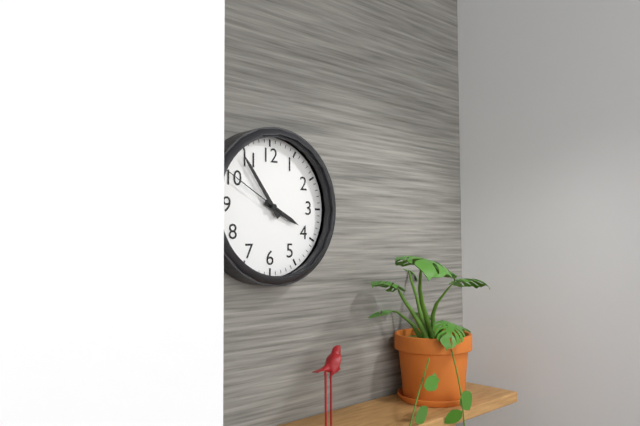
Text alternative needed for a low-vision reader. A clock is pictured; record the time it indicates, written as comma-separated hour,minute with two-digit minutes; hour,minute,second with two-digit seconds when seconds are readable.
3,54,50
